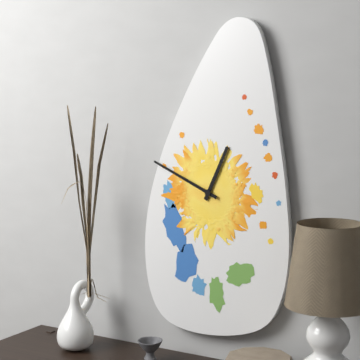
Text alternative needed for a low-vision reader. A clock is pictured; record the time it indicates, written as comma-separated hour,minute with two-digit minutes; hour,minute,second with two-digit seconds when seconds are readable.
12,49
